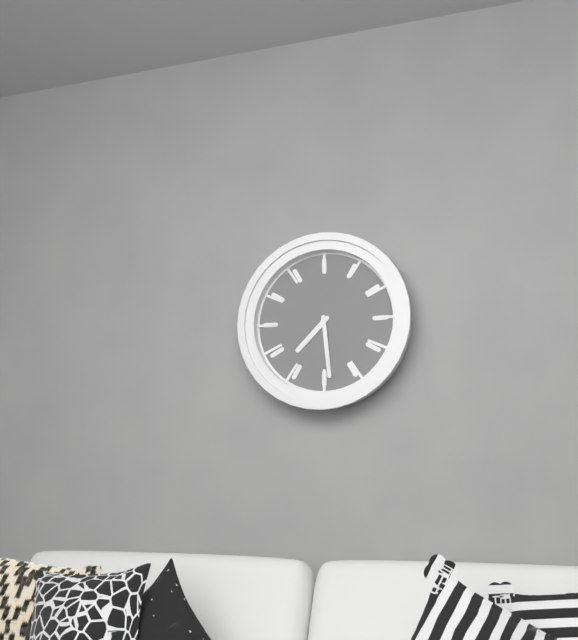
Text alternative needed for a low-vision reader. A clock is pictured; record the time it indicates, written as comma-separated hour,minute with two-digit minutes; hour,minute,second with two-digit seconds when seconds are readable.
7,29
